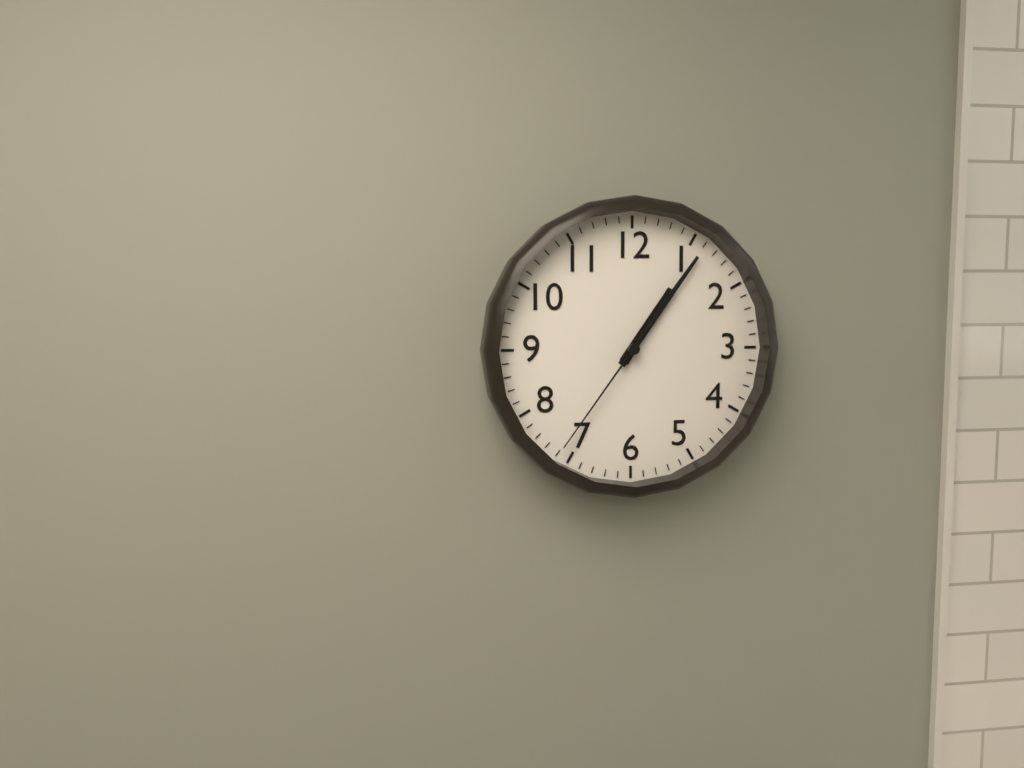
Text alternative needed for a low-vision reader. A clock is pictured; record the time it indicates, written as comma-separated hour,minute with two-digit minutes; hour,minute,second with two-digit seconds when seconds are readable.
1,06,36
